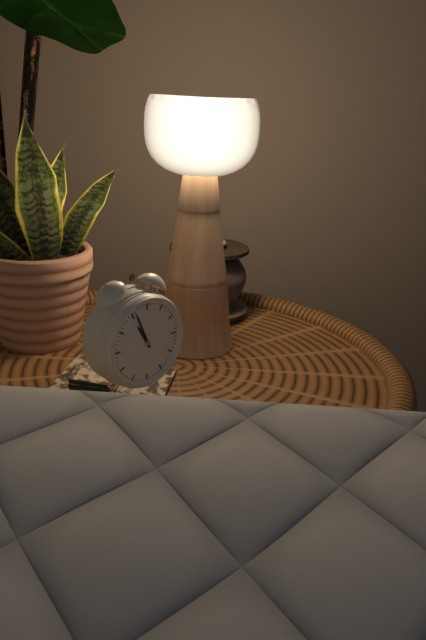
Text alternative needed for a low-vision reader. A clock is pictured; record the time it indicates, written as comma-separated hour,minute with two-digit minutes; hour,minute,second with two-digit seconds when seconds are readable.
10,56
